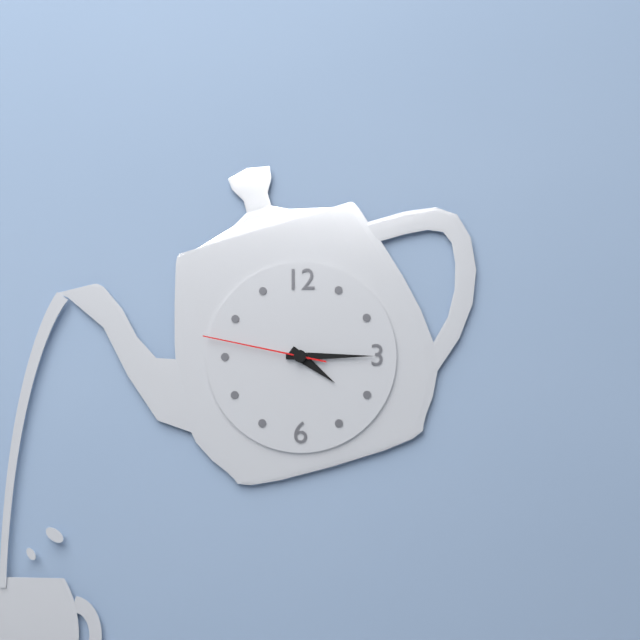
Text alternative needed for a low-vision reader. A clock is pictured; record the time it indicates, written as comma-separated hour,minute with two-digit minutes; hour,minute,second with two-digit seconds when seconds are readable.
4,15,47
